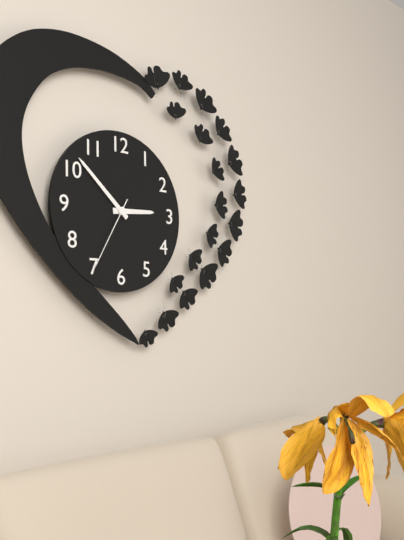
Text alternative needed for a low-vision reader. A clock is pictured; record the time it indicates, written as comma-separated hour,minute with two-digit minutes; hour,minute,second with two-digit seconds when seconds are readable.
2,52,35
